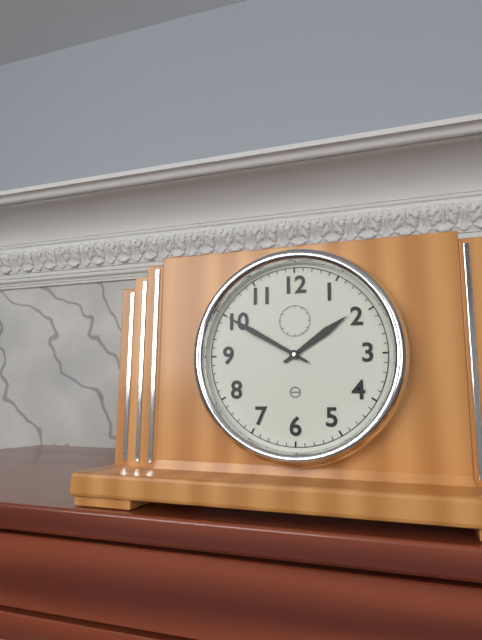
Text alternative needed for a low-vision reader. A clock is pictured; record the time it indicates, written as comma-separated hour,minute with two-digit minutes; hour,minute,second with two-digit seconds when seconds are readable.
1,50
